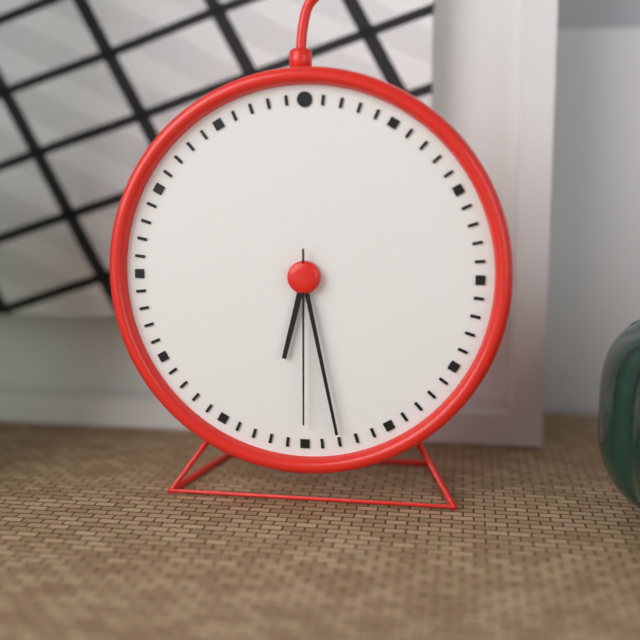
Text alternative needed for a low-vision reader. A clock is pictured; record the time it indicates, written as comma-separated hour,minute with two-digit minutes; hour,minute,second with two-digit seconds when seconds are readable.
6,28,30
